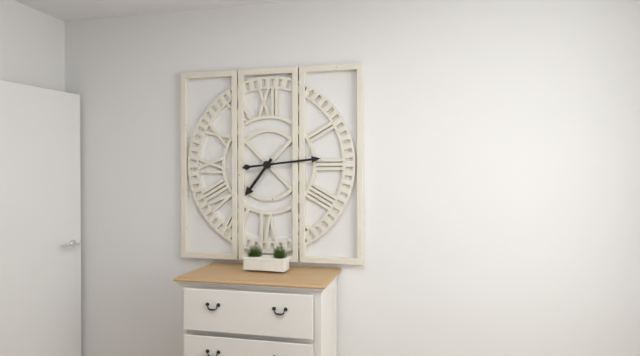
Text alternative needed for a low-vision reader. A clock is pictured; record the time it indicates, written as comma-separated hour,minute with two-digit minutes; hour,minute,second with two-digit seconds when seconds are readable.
7,14
